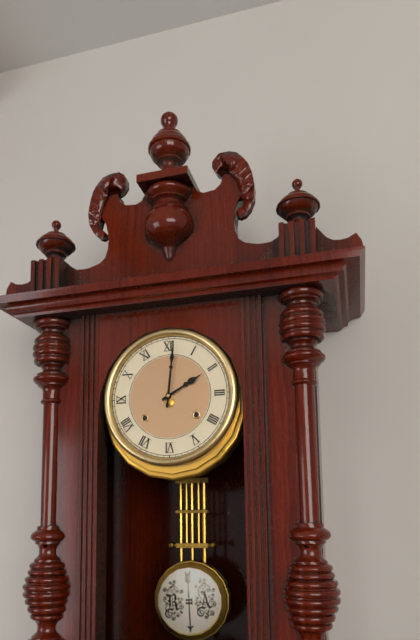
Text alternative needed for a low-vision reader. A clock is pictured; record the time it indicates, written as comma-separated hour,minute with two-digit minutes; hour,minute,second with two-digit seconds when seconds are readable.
2,01
